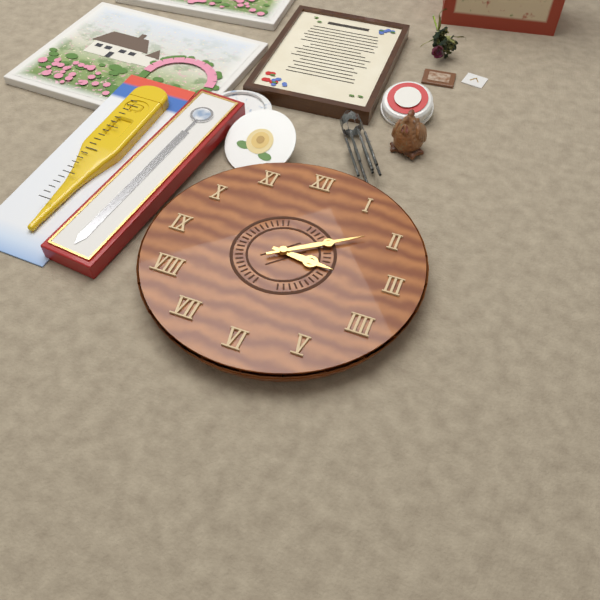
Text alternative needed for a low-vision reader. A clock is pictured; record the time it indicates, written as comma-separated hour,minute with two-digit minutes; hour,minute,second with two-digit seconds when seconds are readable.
3,09
